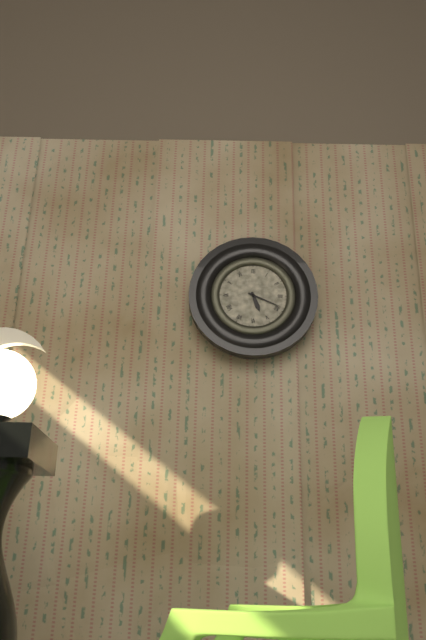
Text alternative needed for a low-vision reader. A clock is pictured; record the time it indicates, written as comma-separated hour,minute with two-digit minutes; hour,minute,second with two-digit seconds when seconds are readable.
5,19
